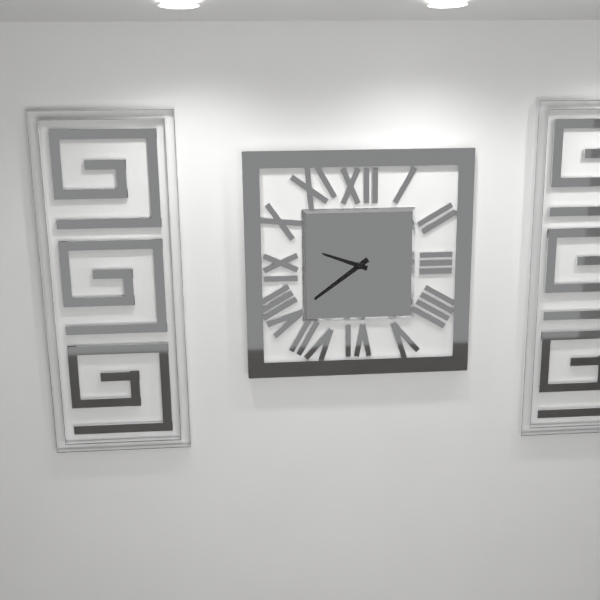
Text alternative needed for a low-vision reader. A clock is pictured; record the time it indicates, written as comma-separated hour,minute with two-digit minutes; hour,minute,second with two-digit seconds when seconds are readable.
9,39
